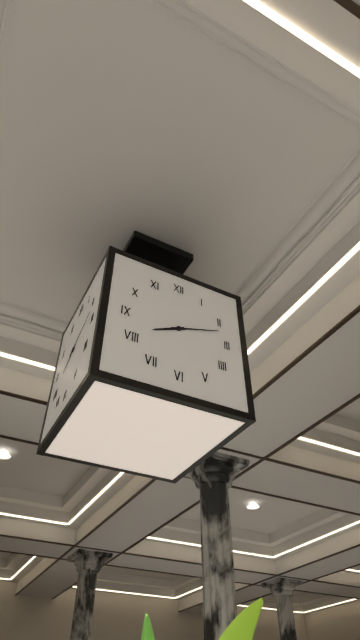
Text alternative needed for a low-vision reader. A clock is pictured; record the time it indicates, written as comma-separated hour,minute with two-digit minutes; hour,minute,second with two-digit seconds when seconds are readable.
8,12
